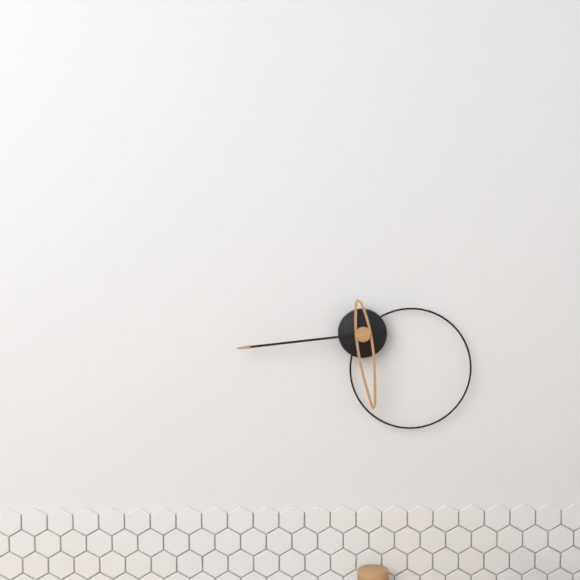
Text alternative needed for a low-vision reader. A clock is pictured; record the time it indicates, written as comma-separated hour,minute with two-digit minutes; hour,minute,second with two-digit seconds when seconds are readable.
5,44
